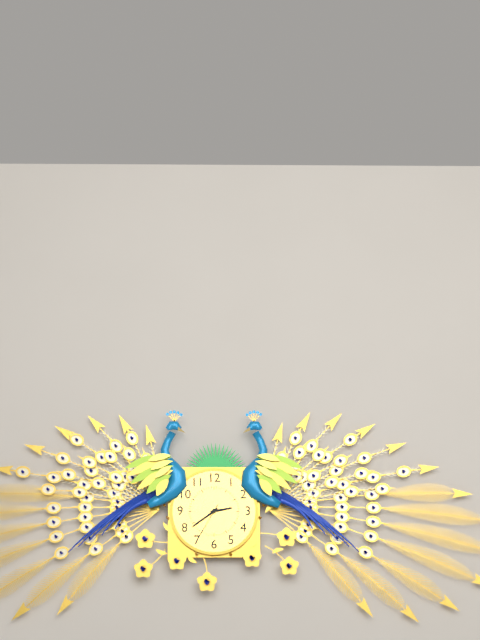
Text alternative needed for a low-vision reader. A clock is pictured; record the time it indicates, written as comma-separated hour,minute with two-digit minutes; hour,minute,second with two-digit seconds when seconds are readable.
2,39
